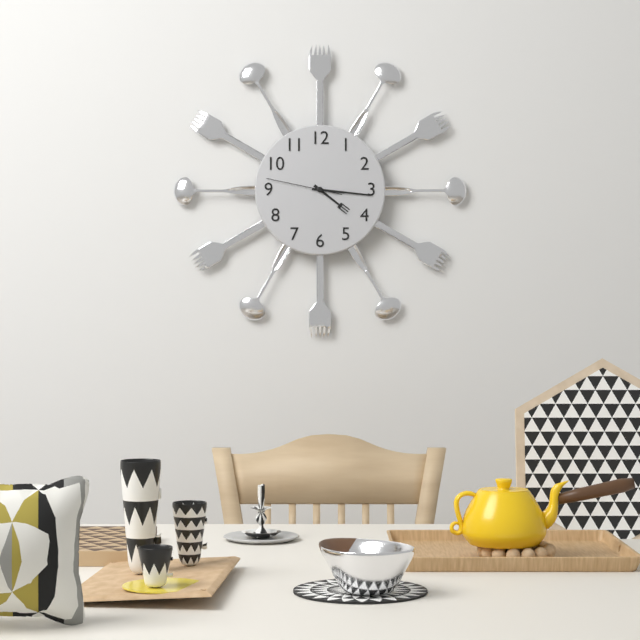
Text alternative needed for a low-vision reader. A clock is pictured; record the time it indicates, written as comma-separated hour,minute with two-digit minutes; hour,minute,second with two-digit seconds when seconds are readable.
4,16,47
